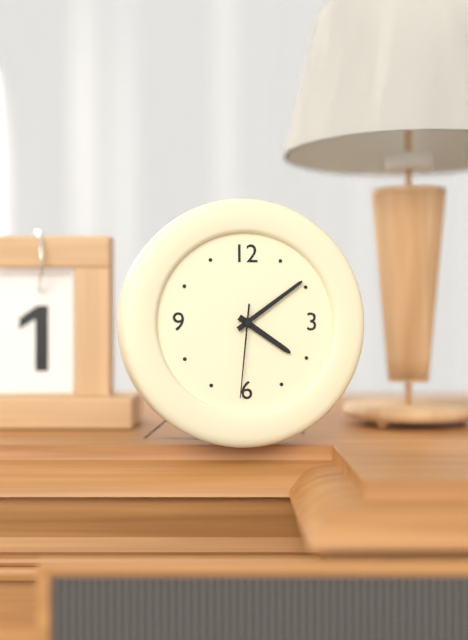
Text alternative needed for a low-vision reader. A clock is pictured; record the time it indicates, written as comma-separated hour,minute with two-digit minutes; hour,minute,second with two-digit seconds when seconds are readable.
4,09,31
